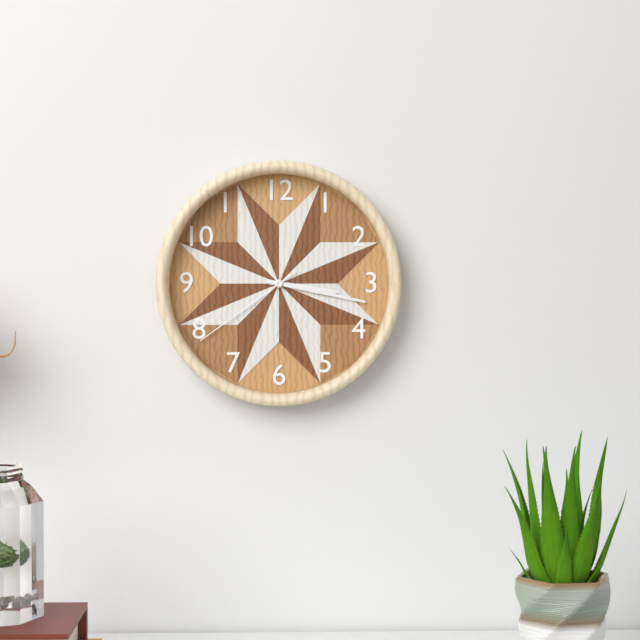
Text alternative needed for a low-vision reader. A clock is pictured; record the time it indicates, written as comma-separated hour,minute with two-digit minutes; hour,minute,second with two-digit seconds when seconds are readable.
3,17,39
